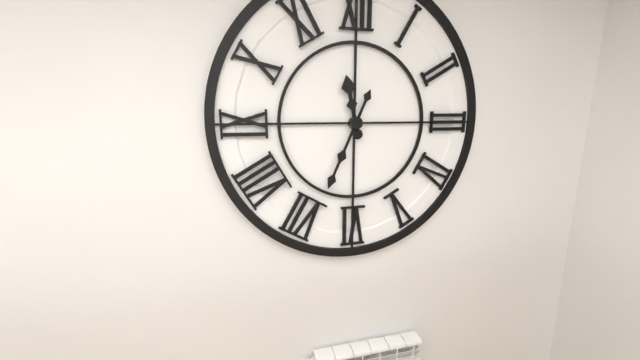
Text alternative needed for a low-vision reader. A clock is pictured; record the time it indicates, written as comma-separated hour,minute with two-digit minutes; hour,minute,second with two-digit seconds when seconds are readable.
11,34
